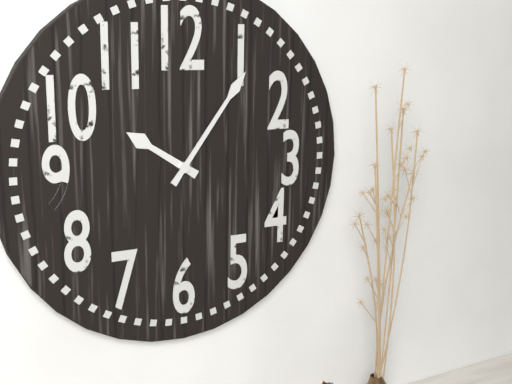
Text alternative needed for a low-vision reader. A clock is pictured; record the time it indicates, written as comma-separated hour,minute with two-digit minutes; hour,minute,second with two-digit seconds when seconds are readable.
10,06
